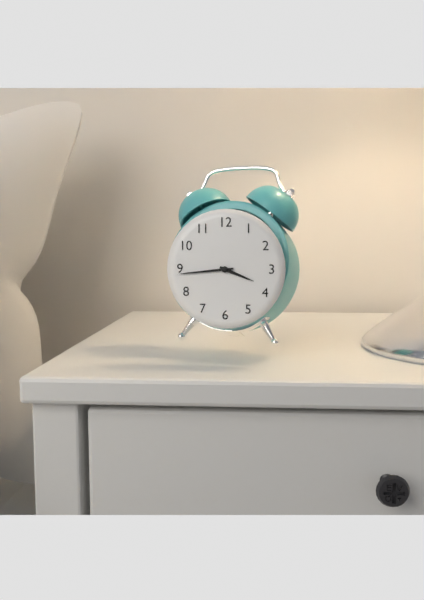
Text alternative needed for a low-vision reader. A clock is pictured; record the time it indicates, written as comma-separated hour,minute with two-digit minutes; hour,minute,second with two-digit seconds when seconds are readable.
3,44
